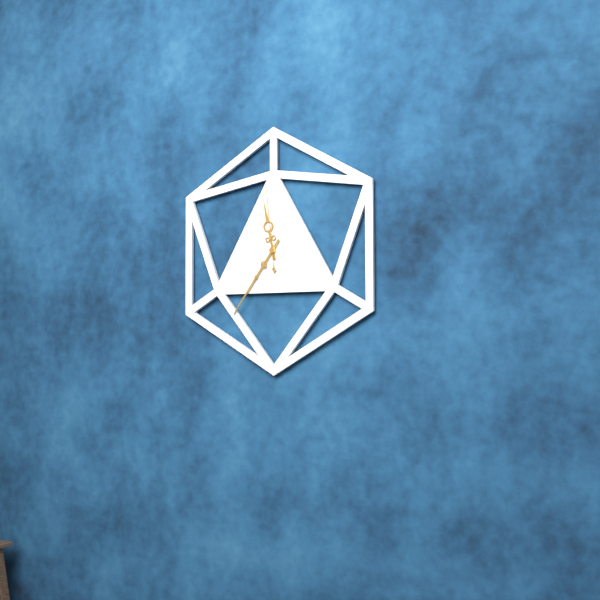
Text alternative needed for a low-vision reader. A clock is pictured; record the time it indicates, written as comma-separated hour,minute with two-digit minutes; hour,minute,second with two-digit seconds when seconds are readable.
11,36,59
